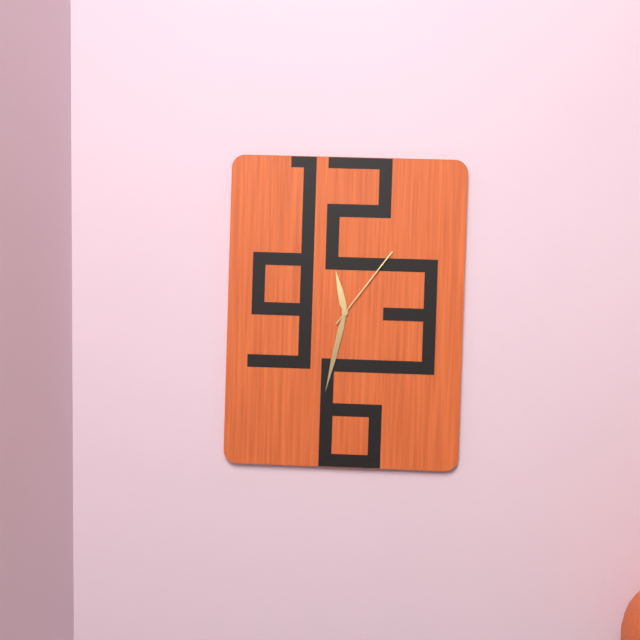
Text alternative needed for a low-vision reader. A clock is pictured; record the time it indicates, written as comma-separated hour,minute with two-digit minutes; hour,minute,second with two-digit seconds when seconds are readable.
11,32,06
